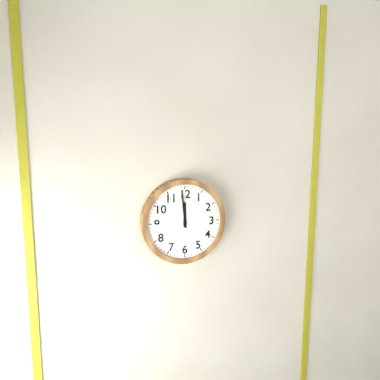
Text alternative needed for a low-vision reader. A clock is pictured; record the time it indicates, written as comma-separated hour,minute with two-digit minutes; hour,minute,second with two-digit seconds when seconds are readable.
11,59
